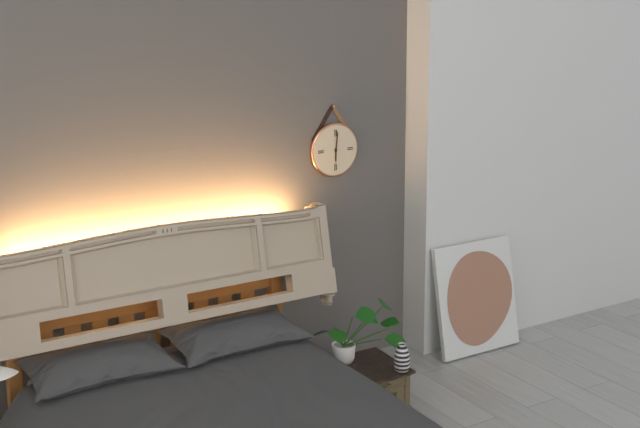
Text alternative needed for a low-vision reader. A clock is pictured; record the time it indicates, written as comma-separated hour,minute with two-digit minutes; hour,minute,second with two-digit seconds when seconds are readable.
6,01
